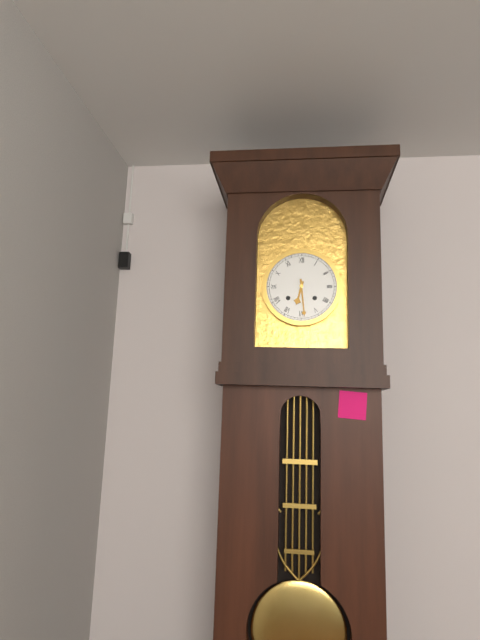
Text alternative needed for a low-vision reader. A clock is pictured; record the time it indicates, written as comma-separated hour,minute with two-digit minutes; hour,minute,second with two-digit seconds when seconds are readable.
6,29
